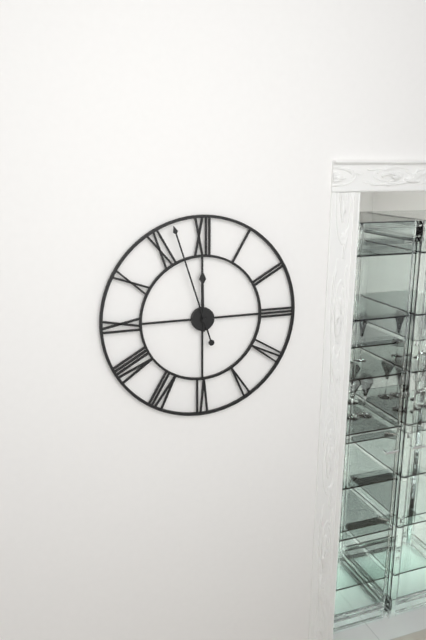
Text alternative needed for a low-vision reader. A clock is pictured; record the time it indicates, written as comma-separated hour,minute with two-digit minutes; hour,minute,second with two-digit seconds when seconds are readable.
11,57
